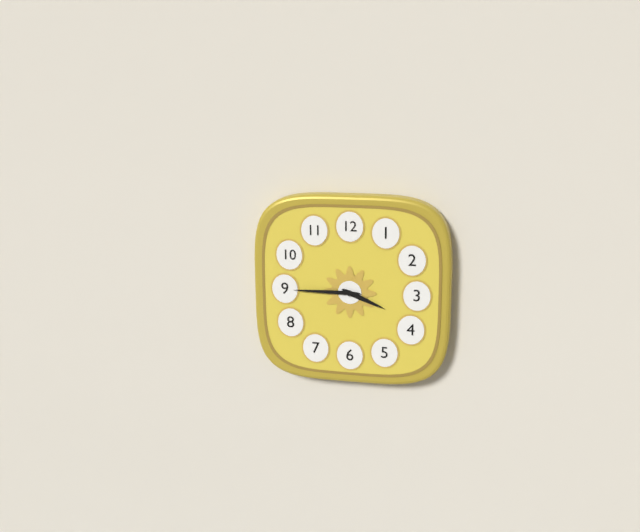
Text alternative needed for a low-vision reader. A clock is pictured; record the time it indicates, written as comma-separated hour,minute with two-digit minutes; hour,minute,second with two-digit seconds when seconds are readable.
3,45
